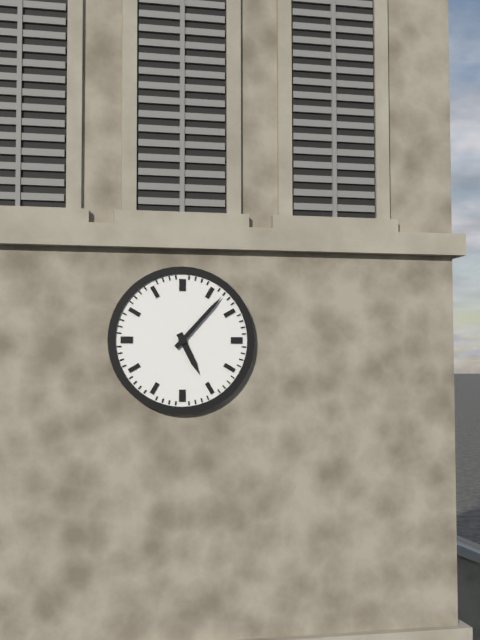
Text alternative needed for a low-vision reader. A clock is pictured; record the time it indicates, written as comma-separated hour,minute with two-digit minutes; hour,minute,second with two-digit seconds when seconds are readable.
5,07
